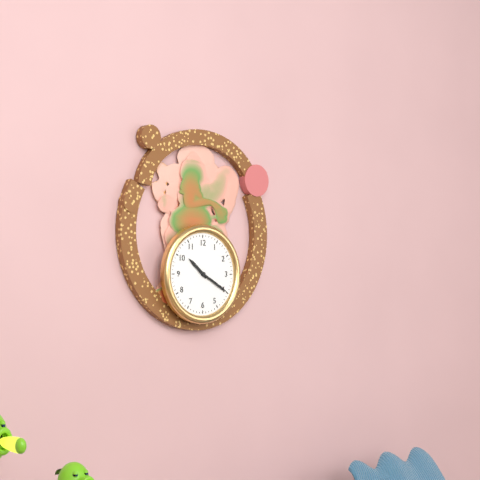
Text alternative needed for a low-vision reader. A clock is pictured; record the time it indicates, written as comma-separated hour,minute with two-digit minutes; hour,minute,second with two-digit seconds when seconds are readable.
10,20
